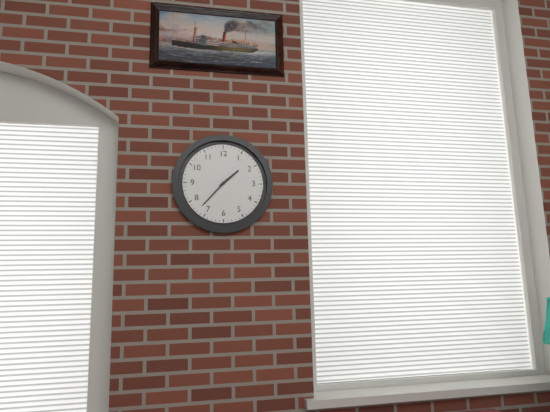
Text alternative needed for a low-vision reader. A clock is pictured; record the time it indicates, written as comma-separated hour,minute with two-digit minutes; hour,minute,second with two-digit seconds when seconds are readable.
1,37
